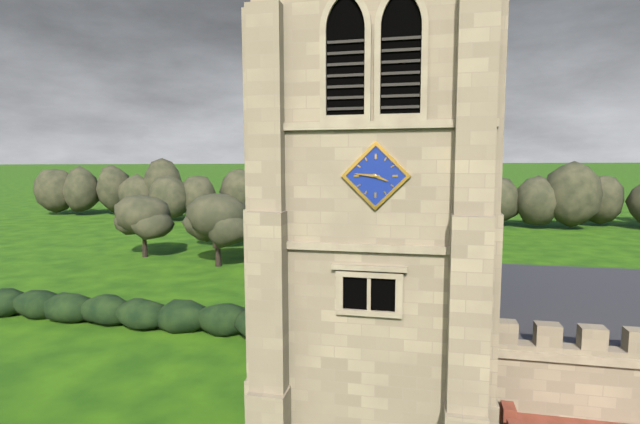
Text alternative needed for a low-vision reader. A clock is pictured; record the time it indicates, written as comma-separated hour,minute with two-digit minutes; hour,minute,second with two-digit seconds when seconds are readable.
3,46
